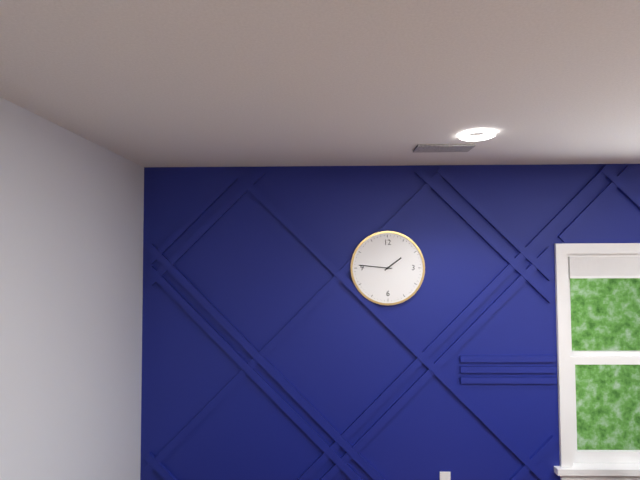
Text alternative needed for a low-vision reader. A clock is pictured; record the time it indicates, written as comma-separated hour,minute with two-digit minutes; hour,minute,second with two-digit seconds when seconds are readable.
1,46
